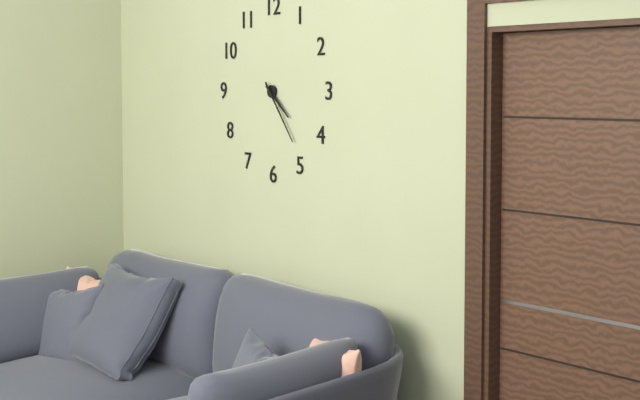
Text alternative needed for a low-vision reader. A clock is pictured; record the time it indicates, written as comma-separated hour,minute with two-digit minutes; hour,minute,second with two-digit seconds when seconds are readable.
4,24
